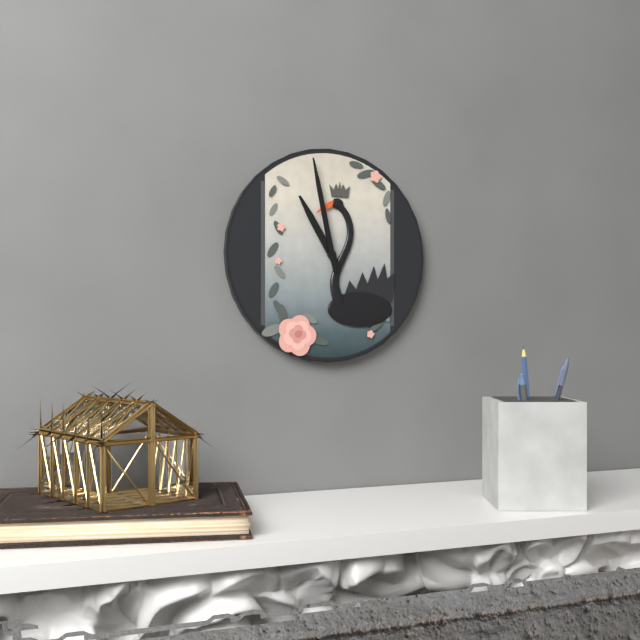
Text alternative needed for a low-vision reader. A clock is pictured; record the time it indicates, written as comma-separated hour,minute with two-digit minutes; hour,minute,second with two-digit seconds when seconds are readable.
10,58
